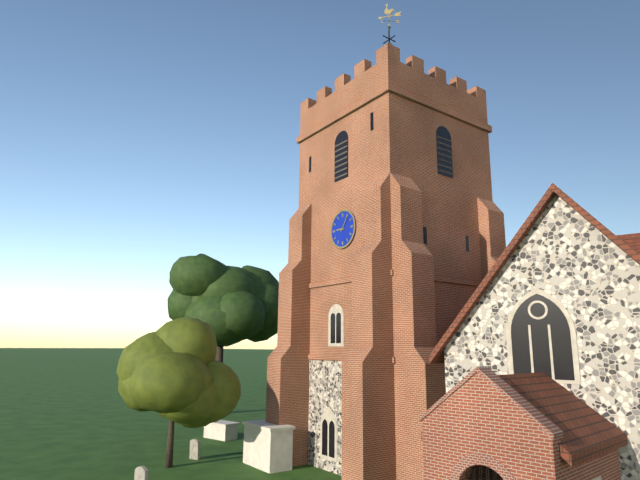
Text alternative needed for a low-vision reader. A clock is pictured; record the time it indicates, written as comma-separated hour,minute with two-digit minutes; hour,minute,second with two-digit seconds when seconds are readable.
9,06
